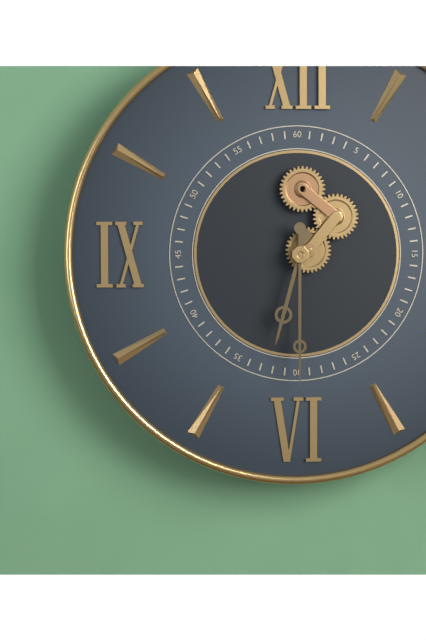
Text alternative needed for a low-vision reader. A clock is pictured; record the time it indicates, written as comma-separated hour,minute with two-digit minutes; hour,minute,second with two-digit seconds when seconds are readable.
6,30
